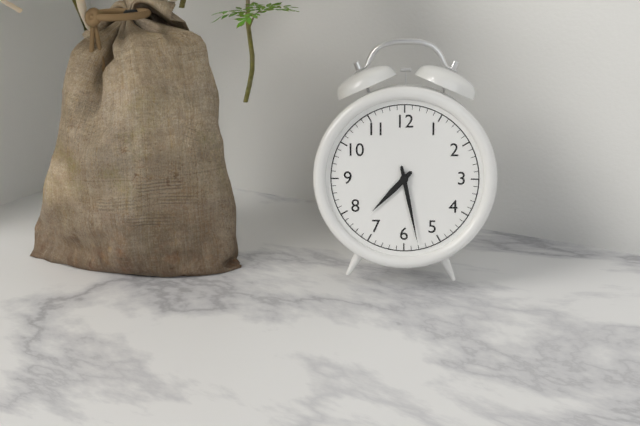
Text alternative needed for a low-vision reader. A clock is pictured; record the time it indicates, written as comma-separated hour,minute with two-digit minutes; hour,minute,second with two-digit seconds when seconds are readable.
7,28
